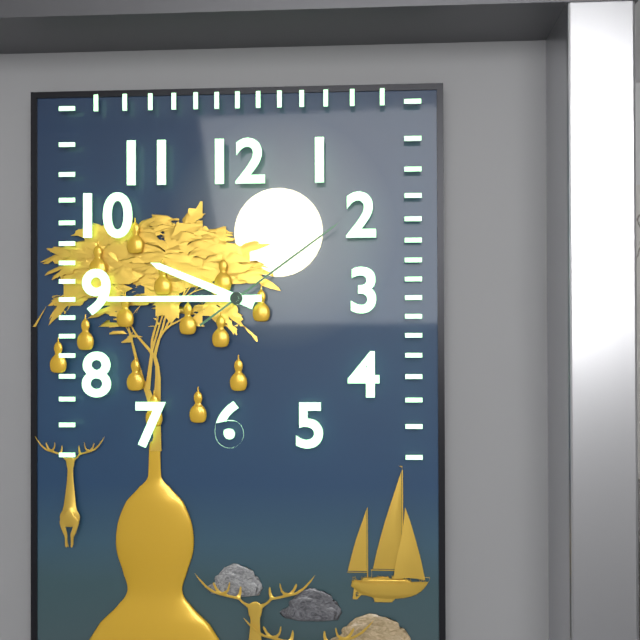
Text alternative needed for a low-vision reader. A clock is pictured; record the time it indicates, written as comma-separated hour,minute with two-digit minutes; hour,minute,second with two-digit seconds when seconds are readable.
9,45,09
